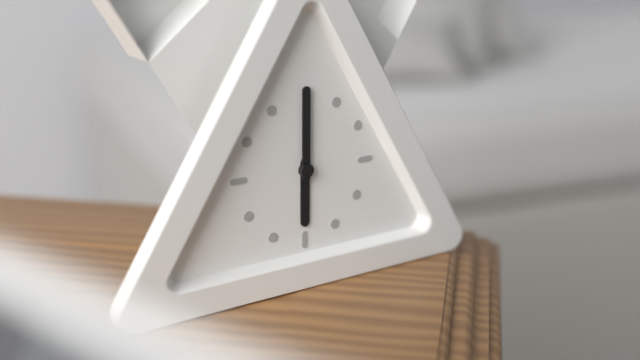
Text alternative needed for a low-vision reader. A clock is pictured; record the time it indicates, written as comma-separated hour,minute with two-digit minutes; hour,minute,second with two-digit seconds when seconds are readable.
6,00
